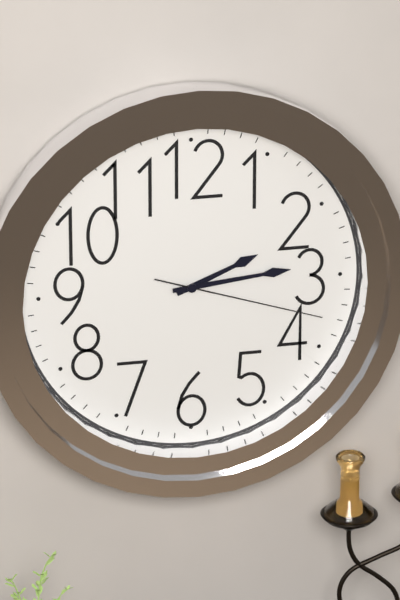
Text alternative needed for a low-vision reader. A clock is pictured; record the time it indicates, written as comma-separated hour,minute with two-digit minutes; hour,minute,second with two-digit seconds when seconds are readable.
2,14,18
